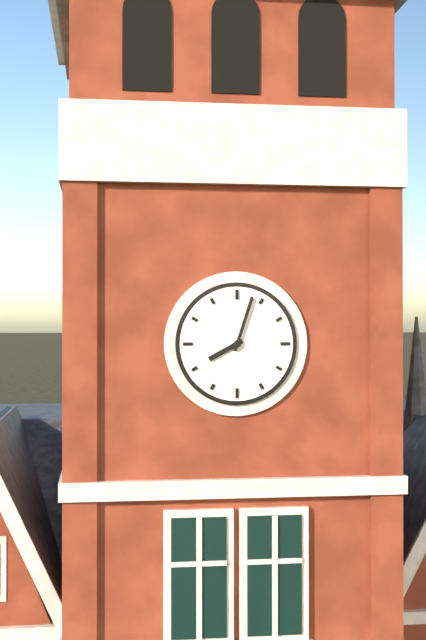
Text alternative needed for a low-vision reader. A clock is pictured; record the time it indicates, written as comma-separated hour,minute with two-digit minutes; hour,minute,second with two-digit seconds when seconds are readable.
8,03
